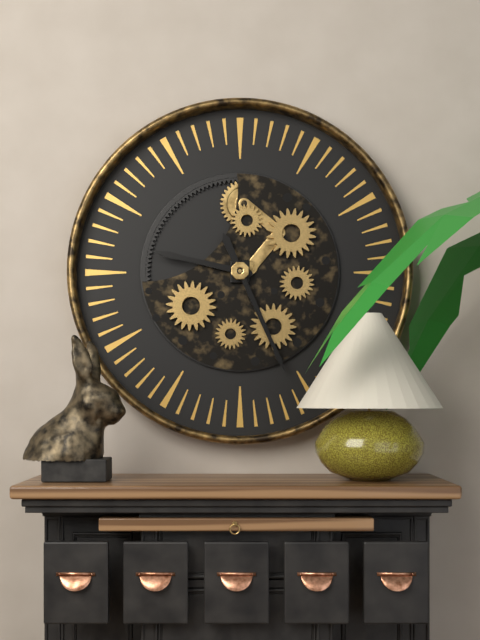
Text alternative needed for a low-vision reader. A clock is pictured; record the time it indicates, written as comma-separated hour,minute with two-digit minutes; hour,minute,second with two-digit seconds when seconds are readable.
9,26
